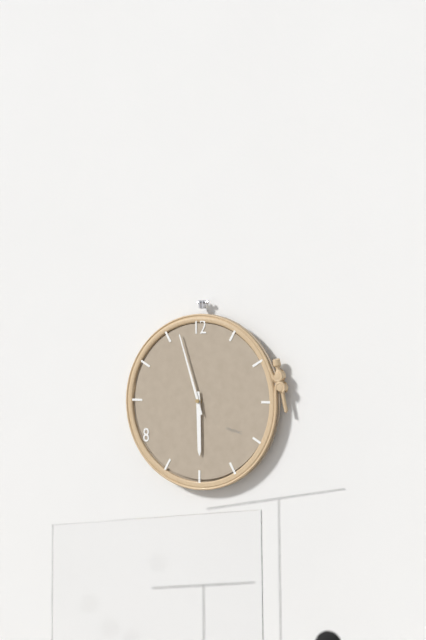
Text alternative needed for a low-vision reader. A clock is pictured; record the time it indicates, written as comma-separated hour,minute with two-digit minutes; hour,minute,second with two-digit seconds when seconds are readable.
5,57
